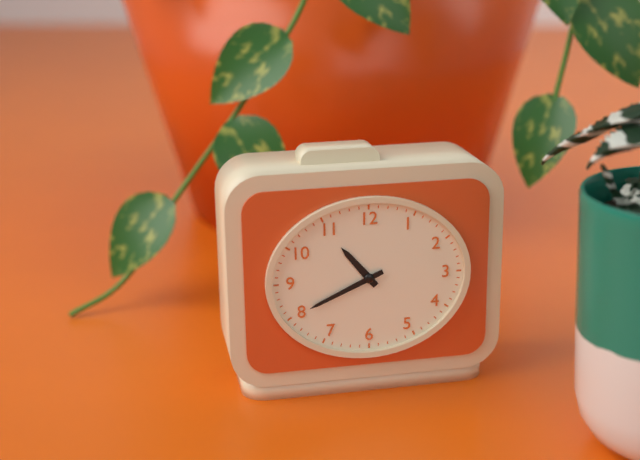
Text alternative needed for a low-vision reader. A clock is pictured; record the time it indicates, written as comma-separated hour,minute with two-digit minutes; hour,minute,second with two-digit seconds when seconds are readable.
10,41
